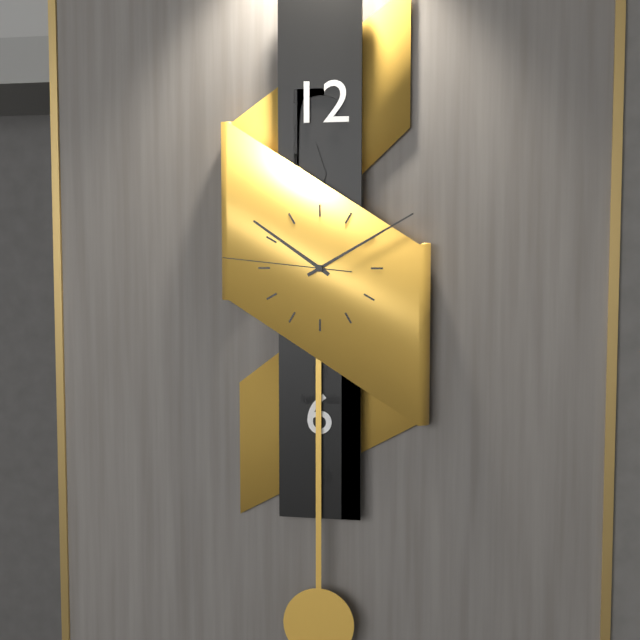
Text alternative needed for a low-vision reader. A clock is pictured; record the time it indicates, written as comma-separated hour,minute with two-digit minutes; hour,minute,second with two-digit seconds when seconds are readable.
10,10,46
